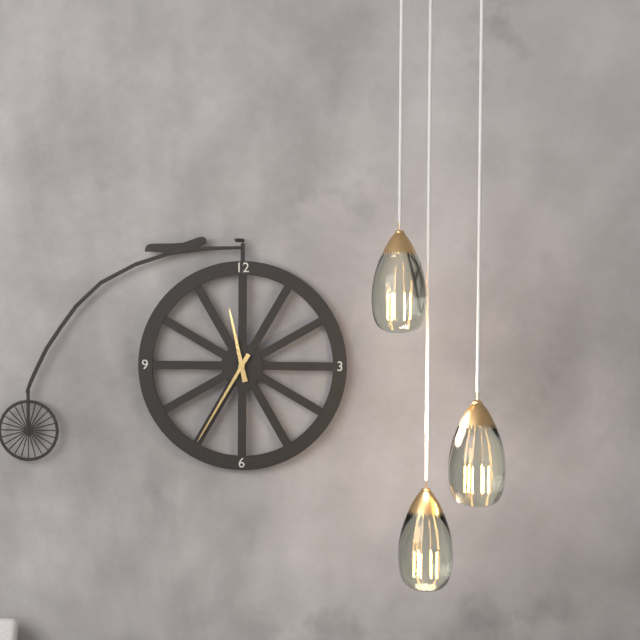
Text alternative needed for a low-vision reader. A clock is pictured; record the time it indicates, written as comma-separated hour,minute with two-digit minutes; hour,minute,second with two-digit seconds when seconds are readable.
11,35
